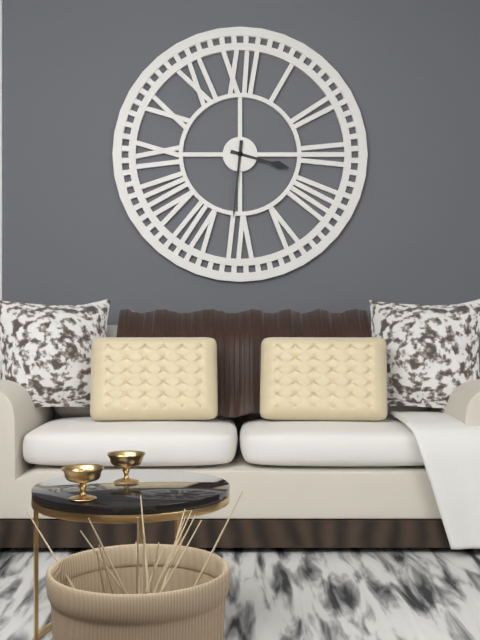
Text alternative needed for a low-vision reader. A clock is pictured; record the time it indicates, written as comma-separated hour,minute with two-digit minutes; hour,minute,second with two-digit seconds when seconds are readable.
3,31
